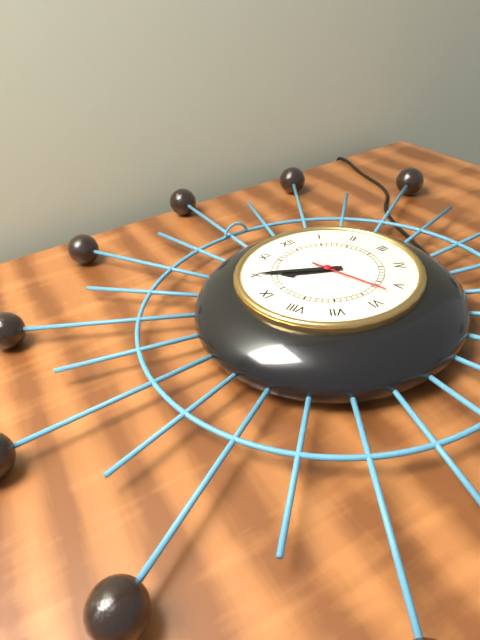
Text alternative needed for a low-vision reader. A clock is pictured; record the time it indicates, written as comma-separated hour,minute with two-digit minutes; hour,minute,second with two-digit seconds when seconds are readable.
9,50,27
